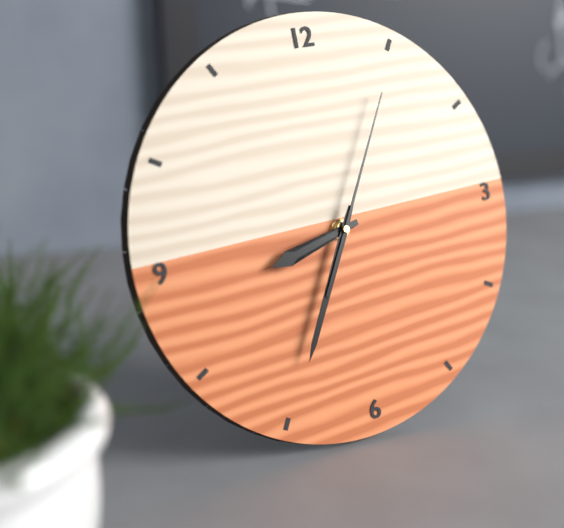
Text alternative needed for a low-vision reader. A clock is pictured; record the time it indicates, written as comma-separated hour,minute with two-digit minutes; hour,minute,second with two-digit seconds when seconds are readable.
8,35,05
